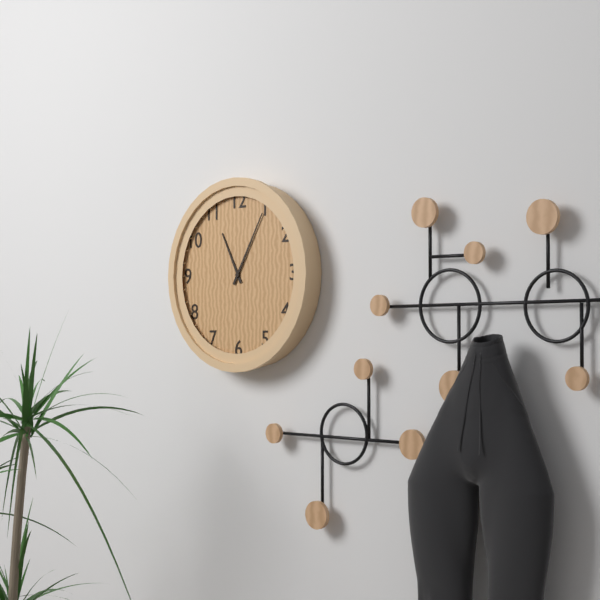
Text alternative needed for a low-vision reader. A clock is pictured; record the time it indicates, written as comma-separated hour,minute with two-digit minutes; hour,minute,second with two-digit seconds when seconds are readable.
11,05
